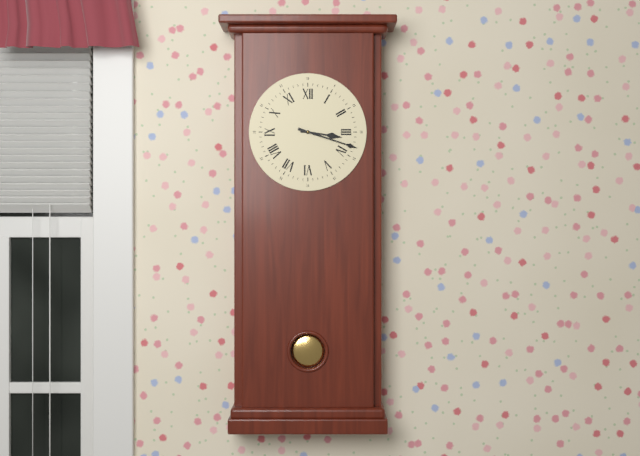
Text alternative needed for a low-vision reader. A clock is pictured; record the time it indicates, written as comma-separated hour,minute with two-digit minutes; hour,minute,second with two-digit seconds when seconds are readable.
3,18
